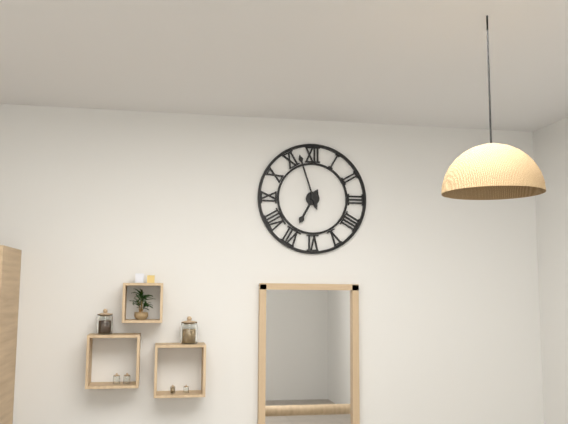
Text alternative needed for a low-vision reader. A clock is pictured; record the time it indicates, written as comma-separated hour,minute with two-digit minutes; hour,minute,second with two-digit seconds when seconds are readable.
6,57
